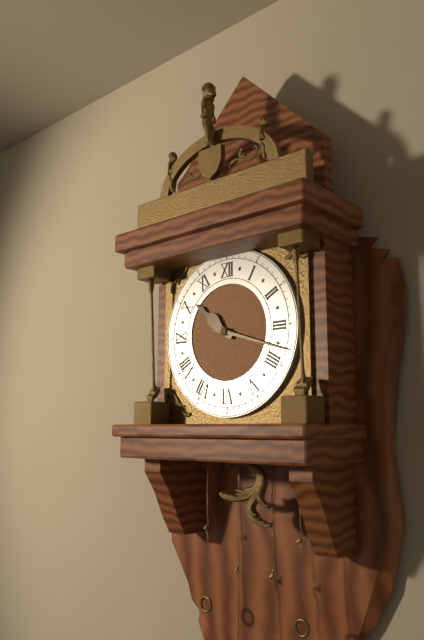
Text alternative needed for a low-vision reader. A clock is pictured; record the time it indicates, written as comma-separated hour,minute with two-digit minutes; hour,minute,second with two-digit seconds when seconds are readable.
10,18
